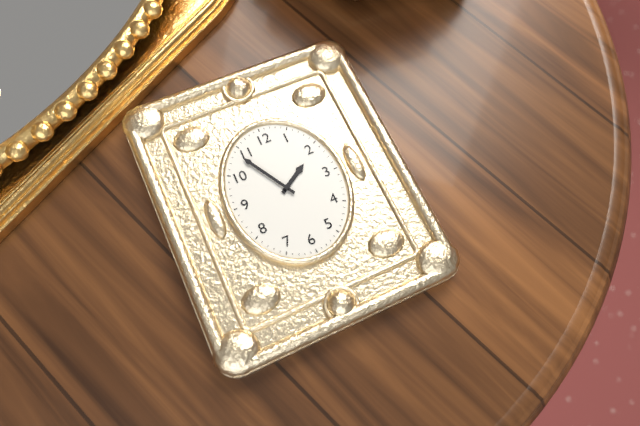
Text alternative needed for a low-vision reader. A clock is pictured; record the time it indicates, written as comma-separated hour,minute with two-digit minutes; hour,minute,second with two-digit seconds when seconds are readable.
1,55
